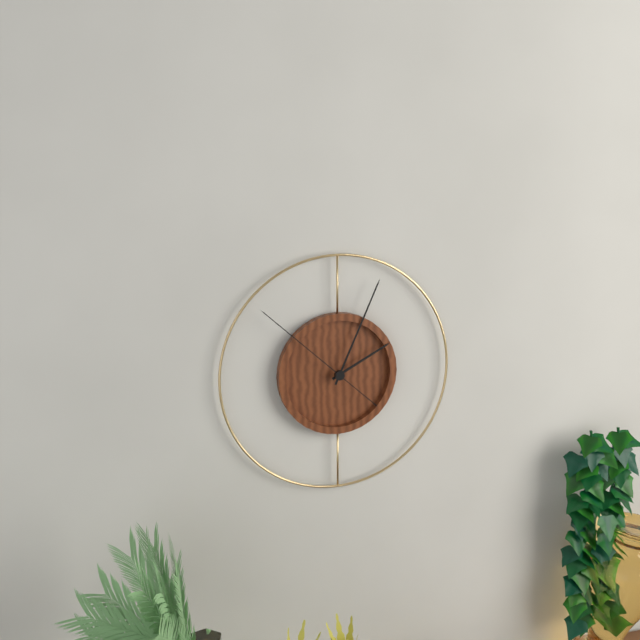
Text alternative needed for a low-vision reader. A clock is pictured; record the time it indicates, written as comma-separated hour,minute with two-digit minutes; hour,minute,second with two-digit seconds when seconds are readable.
2,04,52
